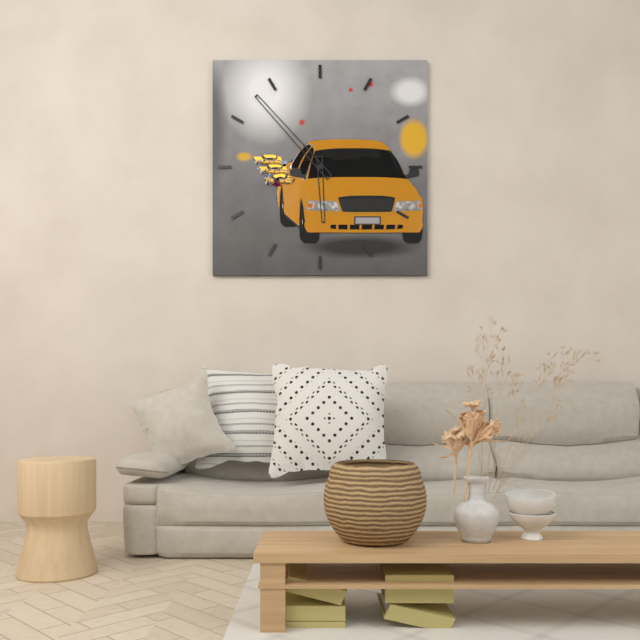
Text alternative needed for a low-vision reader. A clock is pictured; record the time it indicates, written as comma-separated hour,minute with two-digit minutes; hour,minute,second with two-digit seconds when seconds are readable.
5,53
